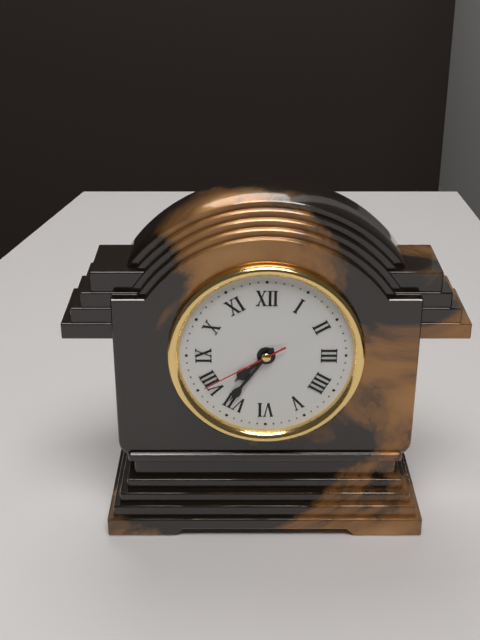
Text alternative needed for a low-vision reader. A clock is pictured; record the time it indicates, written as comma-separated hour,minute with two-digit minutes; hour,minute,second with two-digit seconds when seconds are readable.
7,36,40
